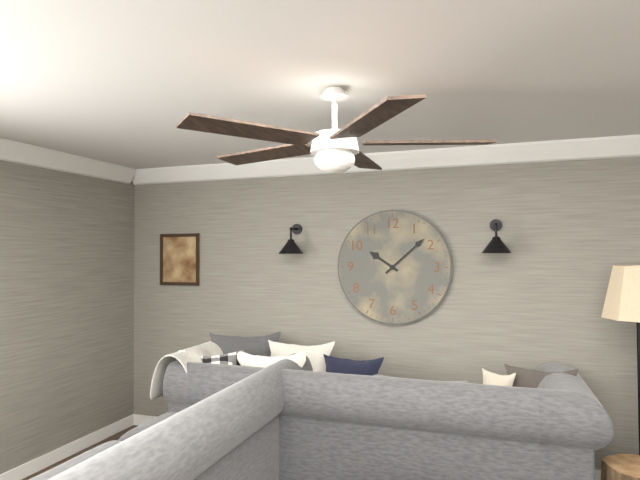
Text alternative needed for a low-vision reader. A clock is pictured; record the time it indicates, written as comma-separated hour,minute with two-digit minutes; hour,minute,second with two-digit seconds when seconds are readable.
10,08
